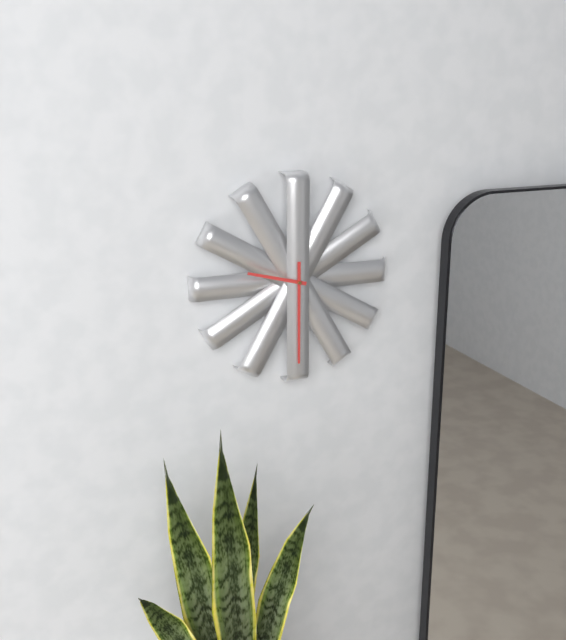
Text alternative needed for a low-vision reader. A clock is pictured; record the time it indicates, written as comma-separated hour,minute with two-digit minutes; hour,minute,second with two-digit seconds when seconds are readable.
9,30
